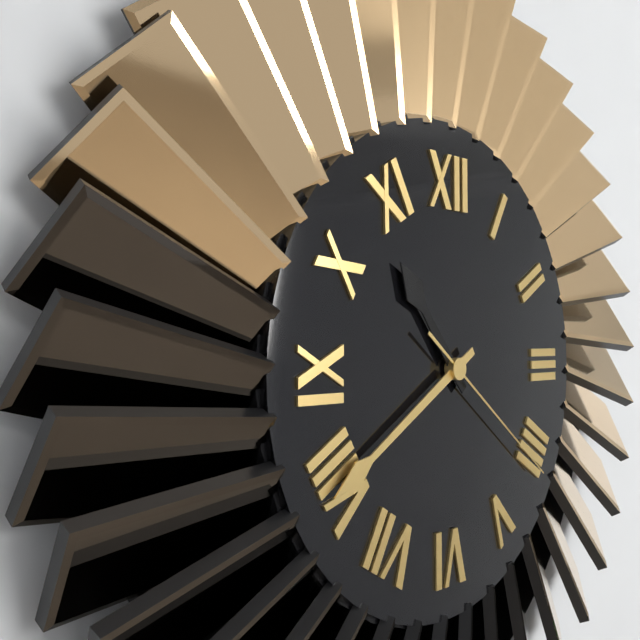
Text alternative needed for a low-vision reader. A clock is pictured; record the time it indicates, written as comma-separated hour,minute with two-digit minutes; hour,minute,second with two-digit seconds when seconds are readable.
10,40,21
